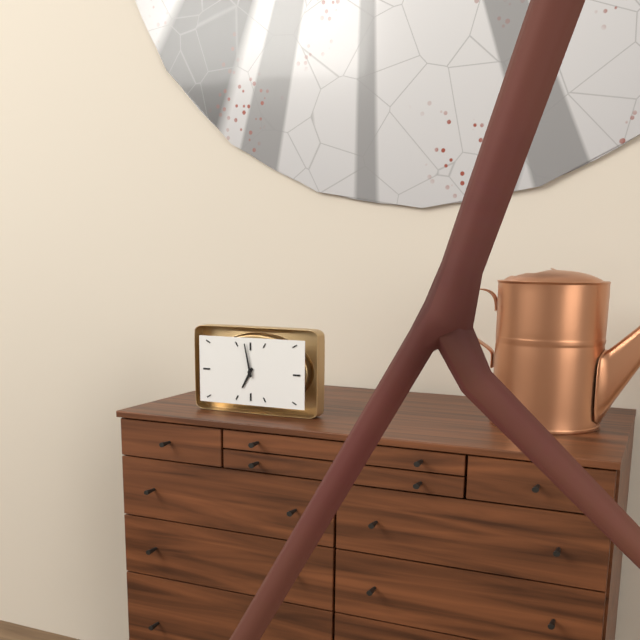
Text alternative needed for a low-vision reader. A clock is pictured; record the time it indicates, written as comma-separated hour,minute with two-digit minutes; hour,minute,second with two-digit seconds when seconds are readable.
6,58
